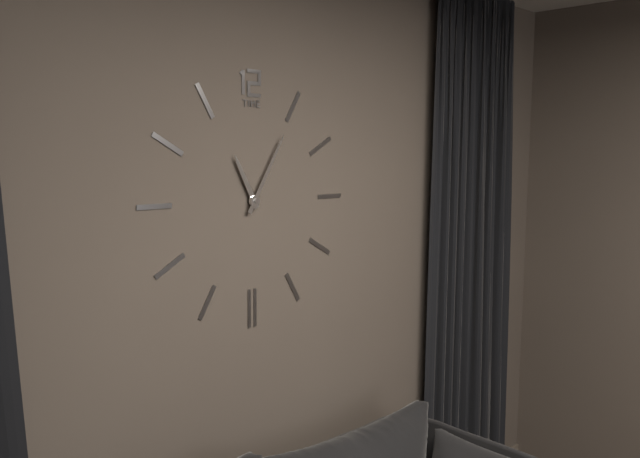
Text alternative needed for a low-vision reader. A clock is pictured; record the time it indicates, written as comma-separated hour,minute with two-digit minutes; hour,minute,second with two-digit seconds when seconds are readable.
11,05
